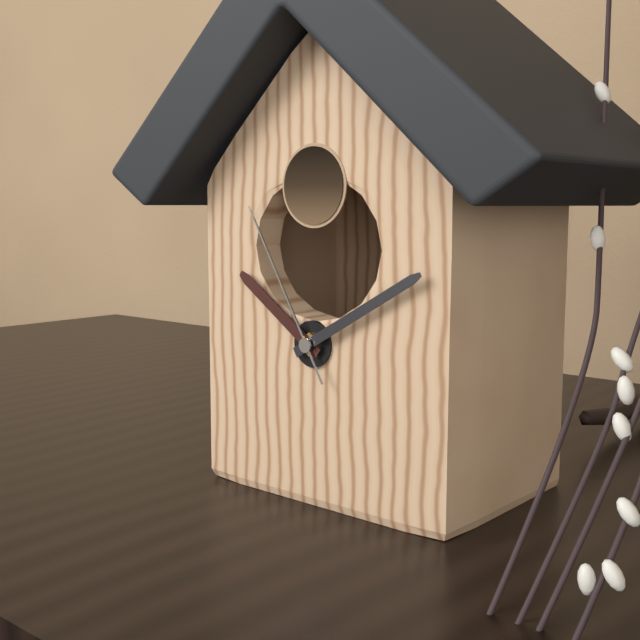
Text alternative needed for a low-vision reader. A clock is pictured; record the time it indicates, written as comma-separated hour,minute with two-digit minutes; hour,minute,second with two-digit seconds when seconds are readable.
10,10,55
